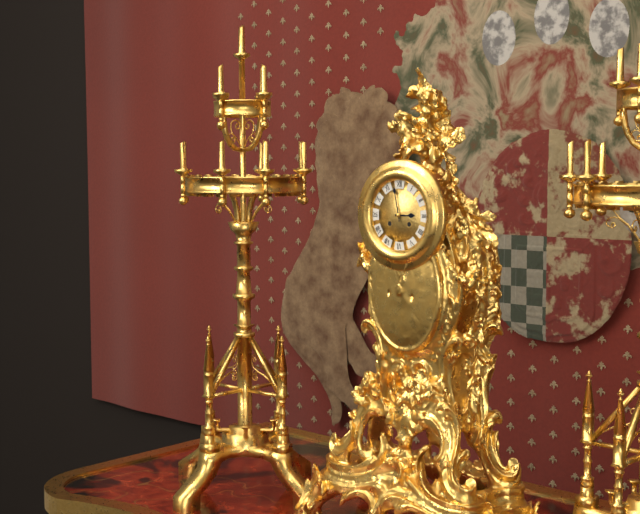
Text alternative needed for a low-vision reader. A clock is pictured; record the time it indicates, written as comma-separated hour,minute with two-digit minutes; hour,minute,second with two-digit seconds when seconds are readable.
2,58
